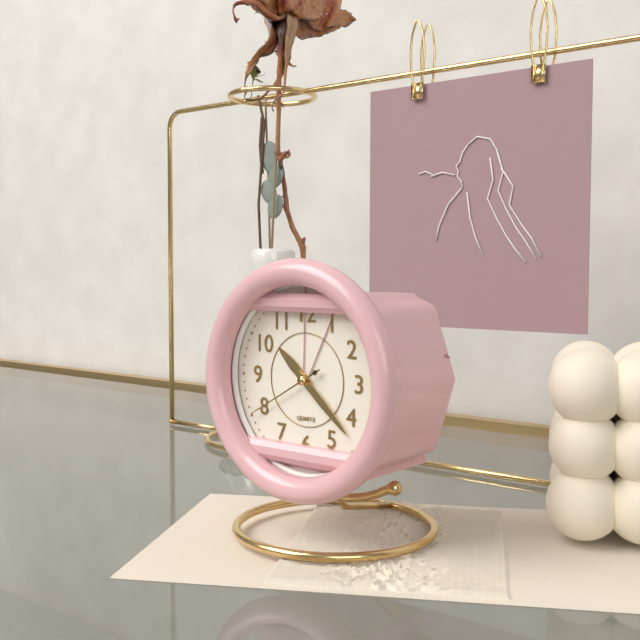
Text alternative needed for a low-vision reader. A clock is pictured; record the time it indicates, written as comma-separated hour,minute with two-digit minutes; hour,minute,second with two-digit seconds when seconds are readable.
10,22,40
